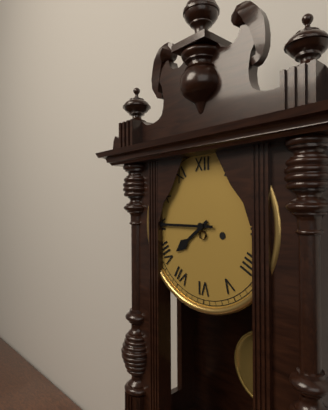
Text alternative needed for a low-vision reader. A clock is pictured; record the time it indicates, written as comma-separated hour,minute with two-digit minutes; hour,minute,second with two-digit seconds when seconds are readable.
7,45
